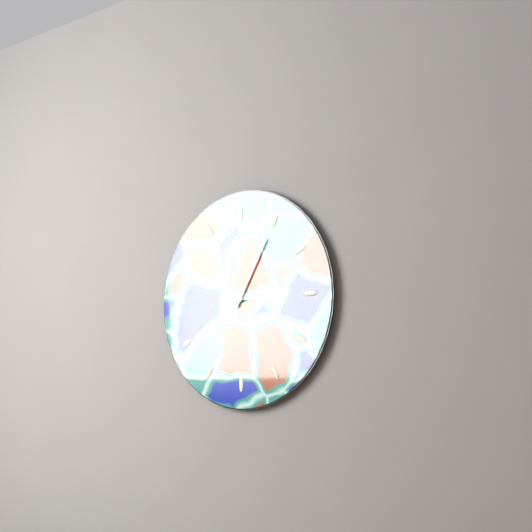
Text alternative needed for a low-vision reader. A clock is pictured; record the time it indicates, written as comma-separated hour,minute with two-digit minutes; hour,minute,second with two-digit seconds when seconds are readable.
3,05
